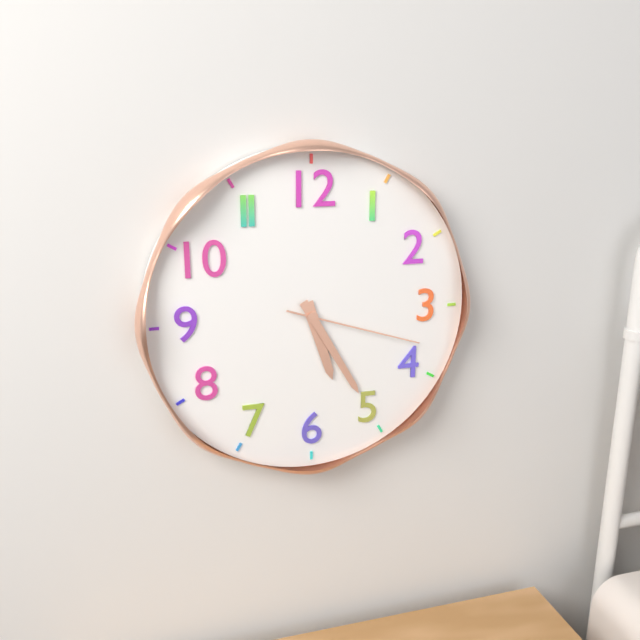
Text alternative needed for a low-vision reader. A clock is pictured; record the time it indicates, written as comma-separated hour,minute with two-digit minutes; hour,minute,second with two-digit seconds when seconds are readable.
5,25,18
